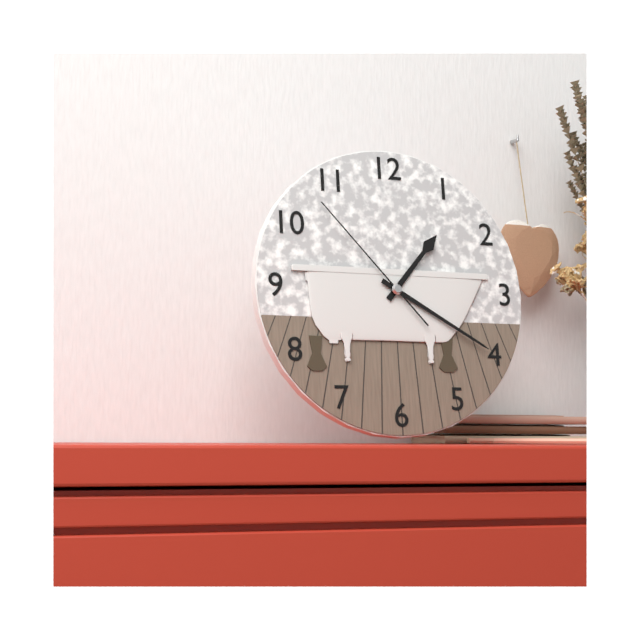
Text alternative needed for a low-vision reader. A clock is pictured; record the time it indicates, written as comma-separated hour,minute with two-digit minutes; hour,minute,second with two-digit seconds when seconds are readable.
1,20,53
